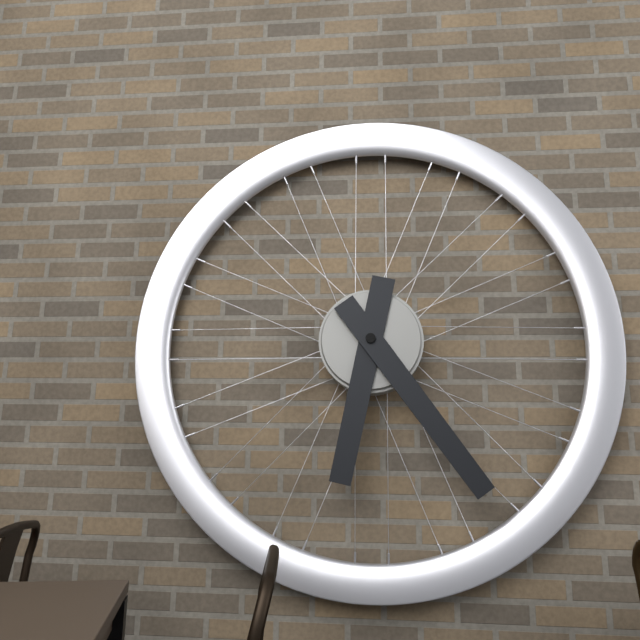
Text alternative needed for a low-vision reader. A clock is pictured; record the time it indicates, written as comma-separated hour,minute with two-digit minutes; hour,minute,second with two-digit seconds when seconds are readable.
6,24
